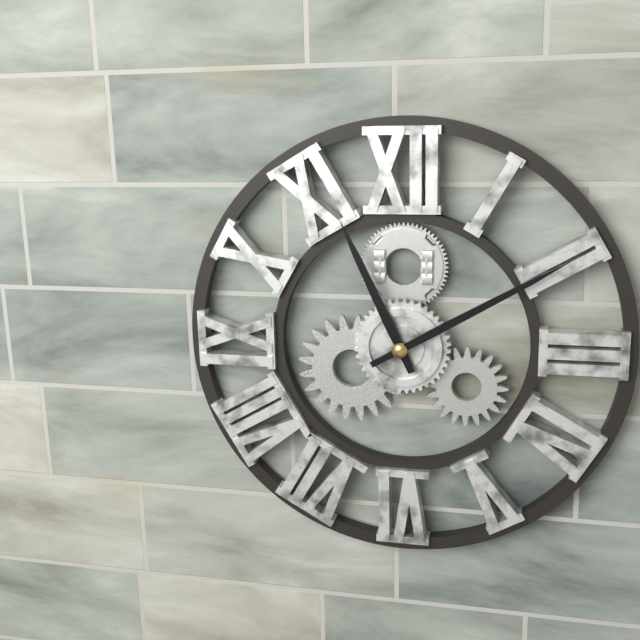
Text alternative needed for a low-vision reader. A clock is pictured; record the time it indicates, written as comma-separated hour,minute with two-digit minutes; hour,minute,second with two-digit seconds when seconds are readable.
11,10
